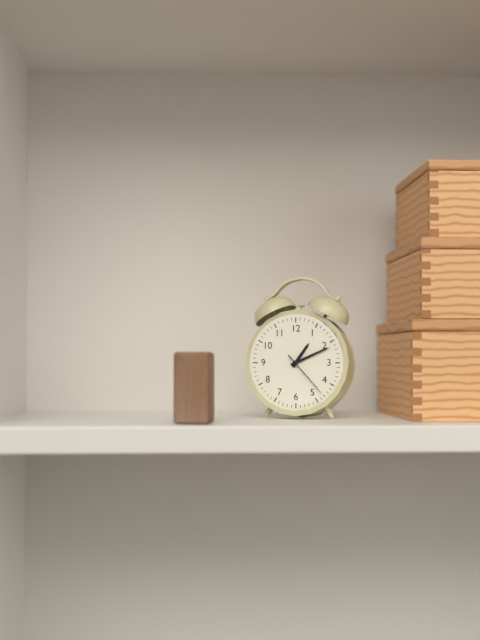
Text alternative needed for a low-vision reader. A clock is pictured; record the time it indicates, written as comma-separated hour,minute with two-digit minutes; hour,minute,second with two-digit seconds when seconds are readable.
1,11,23
